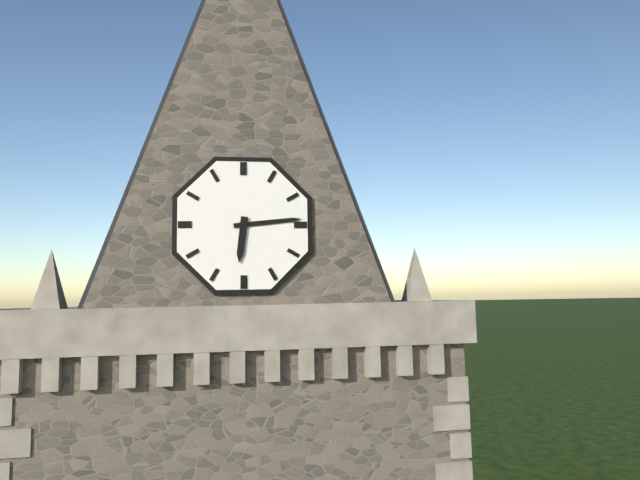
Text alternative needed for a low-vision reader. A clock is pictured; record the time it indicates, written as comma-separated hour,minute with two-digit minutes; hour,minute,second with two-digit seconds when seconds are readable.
6,14
